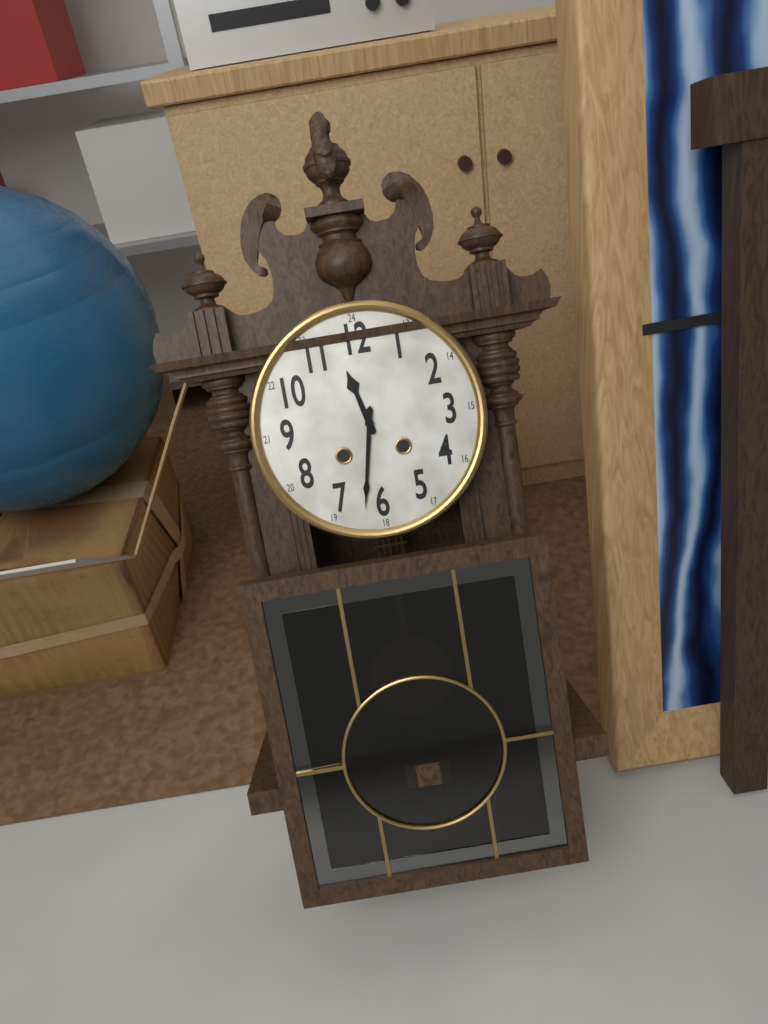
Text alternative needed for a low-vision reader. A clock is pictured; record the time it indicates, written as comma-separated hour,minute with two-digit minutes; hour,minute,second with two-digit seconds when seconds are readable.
11,32
